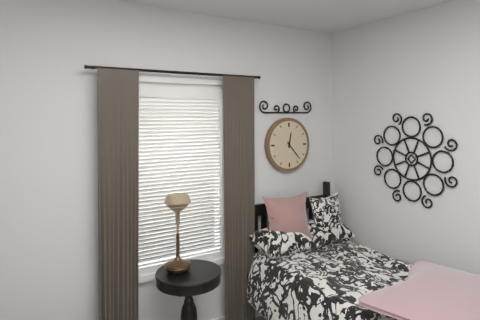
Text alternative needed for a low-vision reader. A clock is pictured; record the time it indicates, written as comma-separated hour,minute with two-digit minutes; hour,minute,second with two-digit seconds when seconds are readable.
12,23
